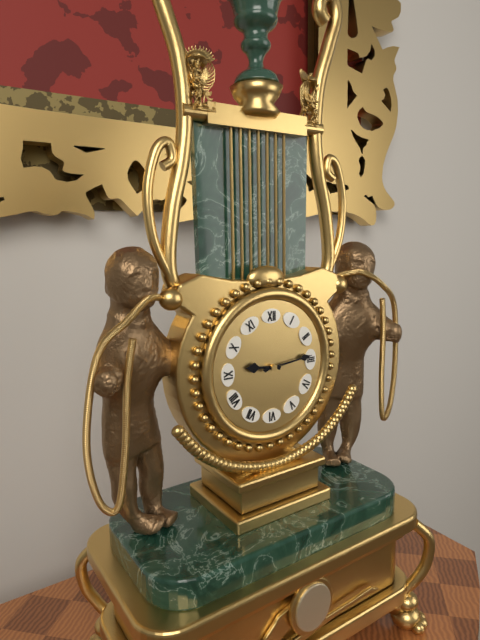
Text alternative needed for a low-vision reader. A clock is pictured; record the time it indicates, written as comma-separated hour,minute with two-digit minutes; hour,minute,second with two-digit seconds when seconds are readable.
9,14
